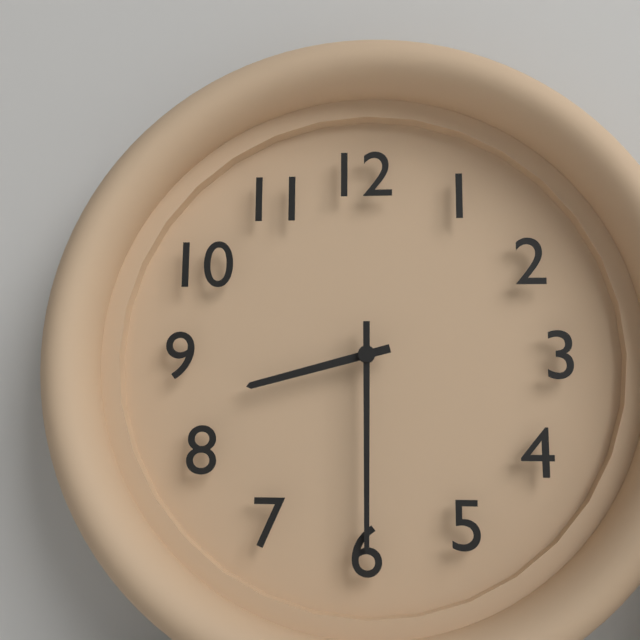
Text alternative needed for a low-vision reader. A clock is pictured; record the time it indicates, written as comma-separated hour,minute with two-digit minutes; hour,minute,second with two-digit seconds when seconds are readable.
8,30
